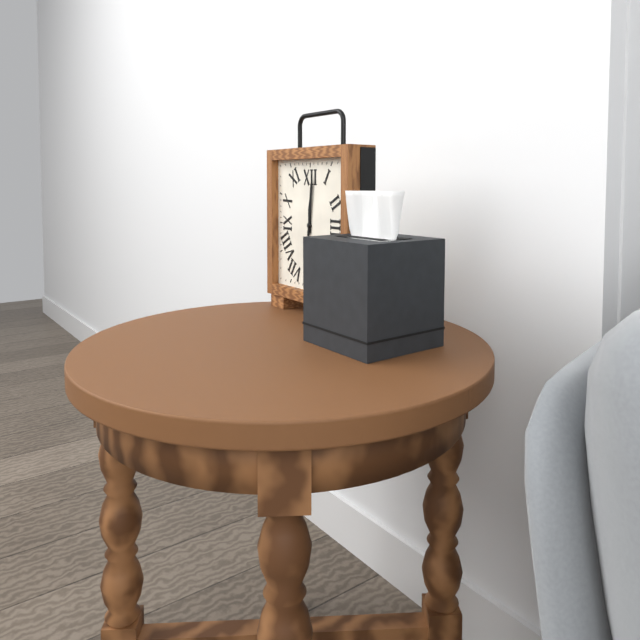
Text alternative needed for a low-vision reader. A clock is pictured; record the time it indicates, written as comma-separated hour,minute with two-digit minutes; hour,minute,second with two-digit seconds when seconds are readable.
12,01
